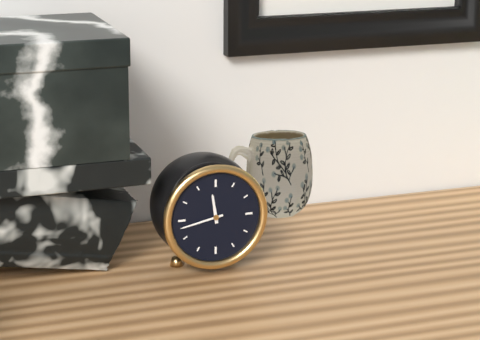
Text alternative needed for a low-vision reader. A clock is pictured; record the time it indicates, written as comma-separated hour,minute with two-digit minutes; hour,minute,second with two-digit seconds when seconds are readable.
11,43
